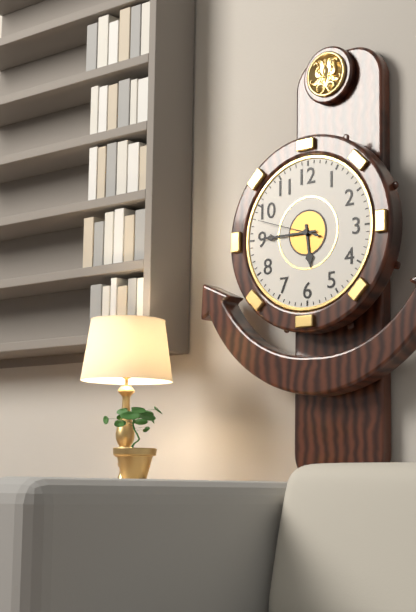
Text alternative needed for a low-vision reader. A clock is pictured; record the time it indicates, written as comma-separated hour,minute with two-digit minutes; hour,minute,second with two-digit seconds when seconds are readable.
5,45,48
